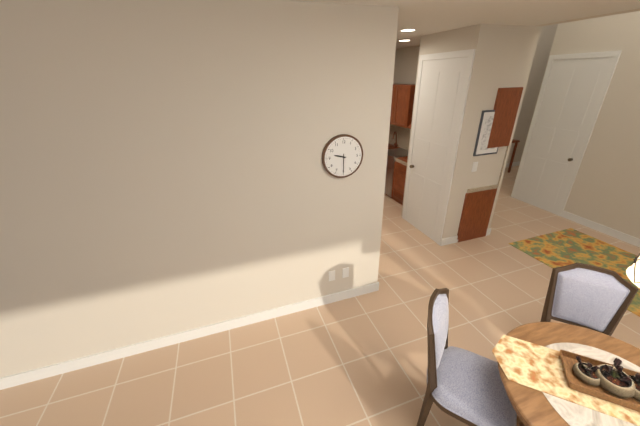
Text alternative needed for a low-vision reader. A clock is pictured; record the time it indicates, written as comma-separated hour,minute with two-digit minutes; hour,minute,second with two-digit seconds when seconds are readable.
9,30
